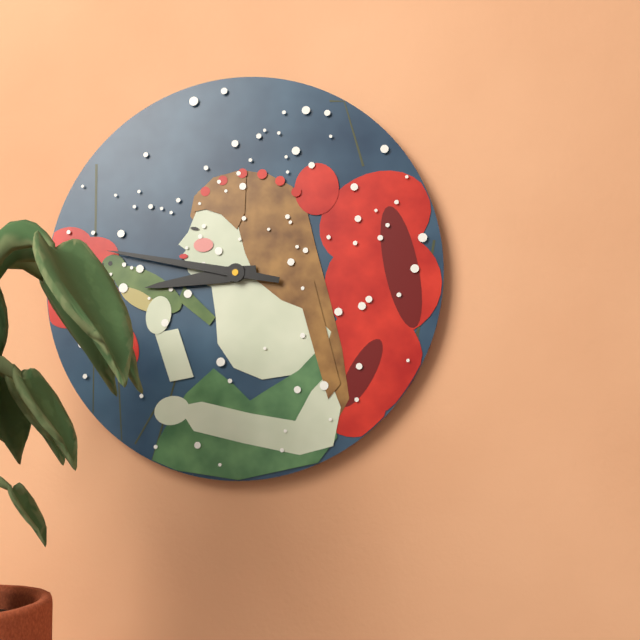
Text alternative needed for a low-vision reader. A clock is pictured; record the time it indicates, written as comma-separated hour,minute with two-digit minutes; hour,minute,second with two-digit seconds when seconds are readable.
8,47
